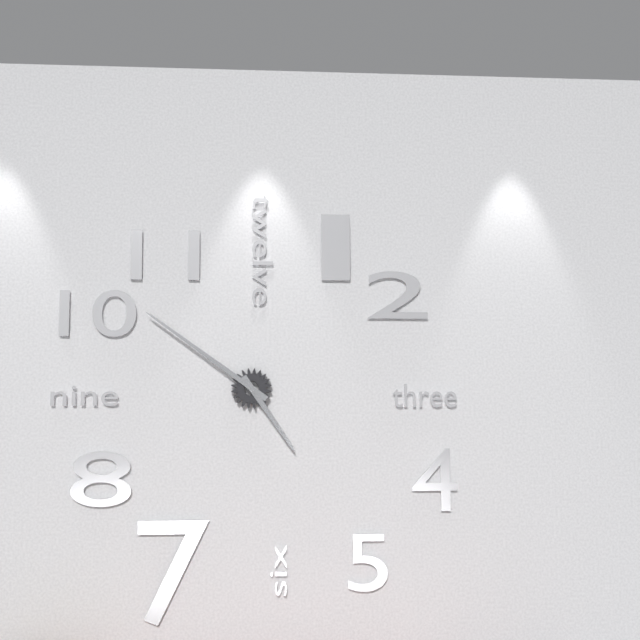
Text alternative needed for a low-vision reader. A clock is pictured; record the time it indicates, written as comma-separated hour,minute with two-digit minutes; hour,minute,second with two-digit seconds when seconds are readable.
4,51
